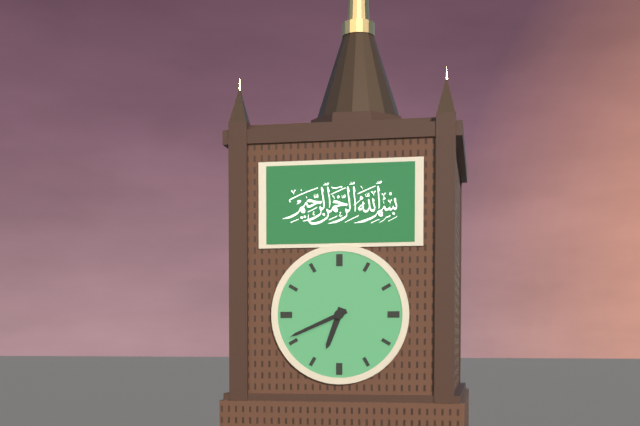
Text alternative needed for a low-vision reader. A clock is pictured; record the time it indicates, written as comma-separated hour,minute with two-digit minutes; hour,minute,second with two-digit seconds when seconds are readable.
6,41
